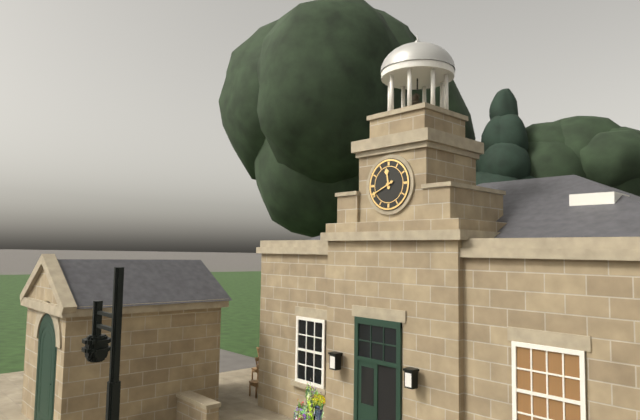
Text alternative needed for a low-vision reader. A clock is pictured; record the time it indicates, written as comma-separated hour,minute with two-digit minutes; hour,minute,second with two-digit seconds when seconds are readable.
11,41
